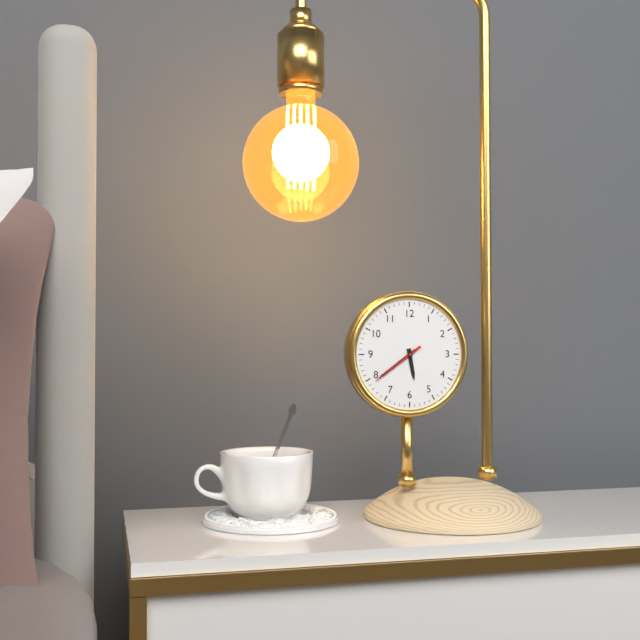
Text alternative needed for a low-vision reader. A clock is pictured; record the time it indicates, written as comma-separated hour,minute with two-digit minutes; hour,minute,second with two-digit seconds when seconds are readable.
5,39,39
